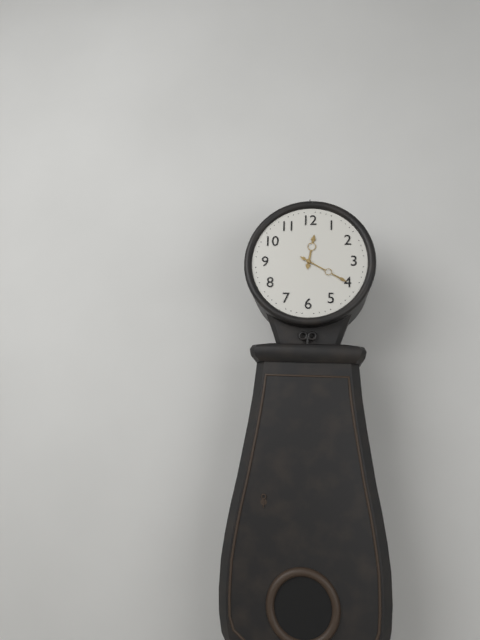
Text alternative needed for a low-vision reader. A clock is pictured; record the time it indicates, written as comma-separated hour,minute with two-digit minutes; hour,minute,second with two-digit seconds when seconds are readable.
12,20
